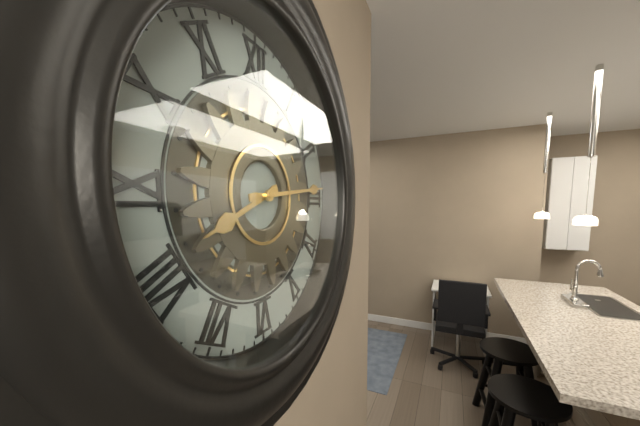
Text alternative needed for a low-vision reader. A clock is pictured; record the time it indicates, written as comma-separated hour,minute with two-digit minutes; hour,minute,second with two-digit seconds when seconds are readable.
8,14
